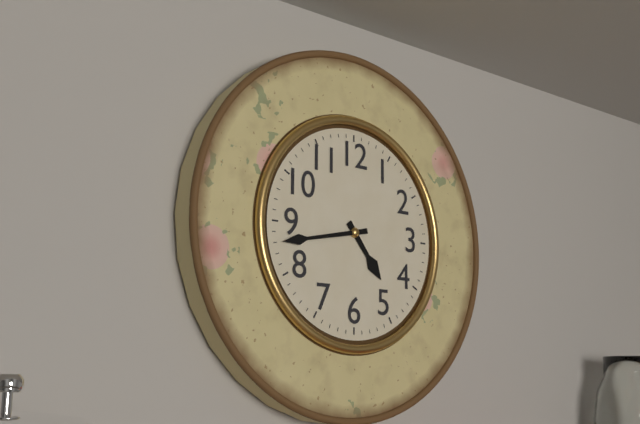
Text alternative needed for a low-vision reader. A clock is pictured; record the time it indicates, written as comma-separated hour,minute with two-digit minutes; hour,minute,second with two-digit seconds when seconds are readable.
4,43
